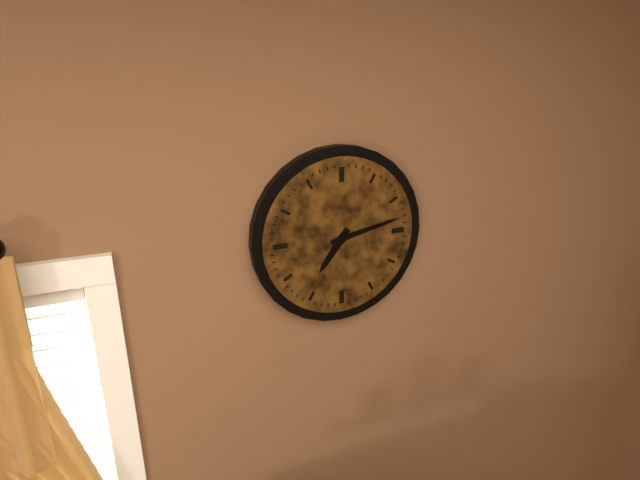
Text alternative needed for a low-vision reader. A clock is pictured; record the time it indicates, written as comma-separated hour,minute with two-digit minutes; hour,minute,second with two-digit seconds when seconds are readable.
7,13
